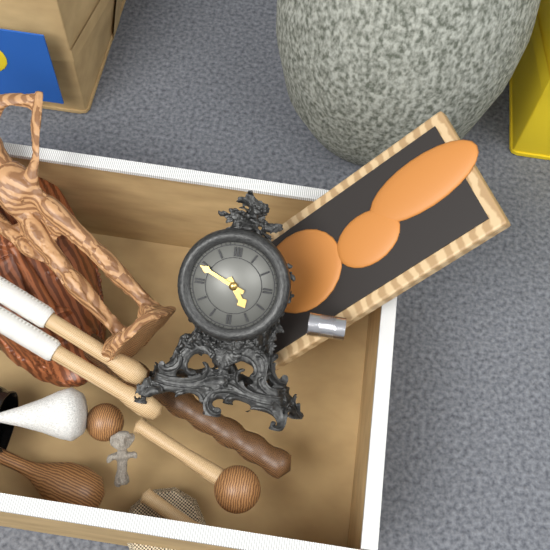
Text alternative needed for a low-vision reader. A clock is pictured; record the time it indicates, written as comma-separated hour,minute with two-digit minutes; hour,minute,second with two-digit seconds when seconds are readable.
4,49
